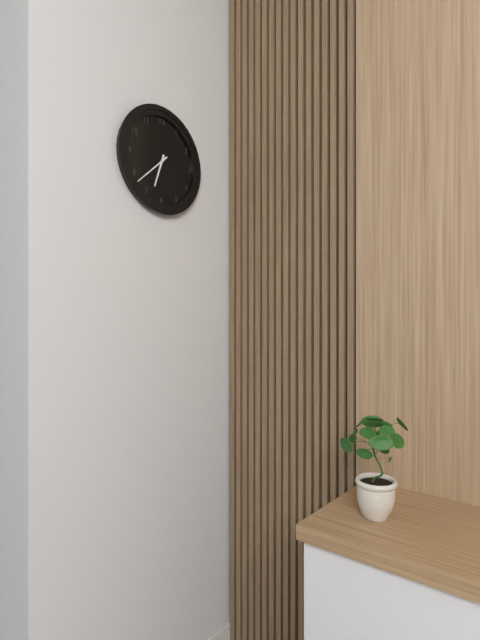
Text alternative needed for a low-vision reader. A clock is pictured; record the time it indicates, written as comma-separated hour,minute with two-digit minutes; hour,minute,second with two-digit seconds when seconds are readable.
6,38
